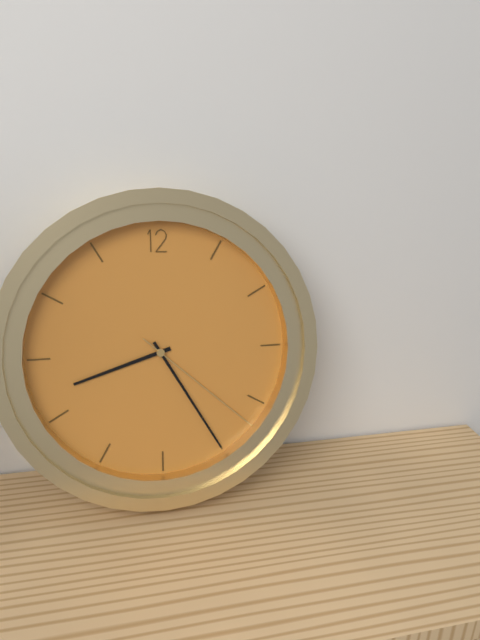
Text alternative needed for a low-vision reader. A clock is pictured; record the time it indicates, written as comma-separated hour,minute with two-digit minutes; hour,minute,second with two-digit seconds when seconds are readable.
8,25,22
